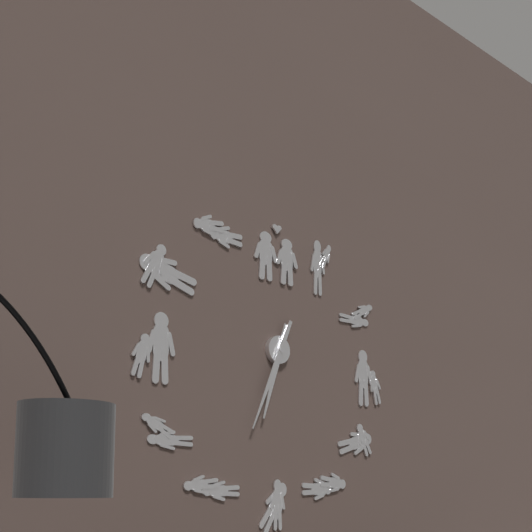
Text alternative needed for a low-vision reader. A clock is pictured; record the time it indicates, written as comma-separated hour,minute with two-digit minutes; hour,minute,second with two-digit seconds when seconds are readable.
6,34
